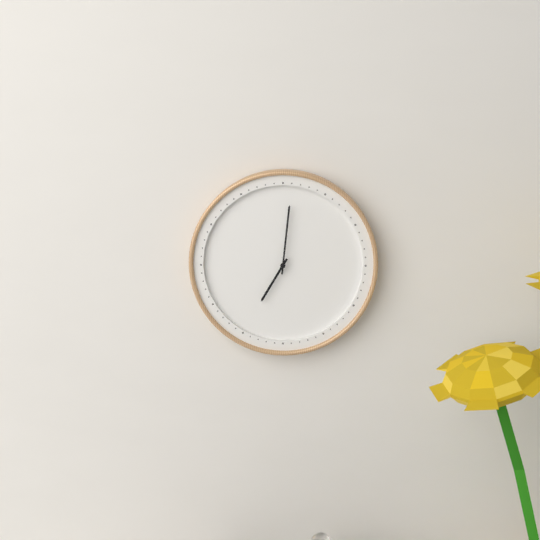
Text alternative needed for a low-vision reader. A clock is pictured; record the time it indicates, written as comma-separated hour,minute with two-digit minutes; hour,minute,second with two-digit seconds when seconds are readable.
7,01
